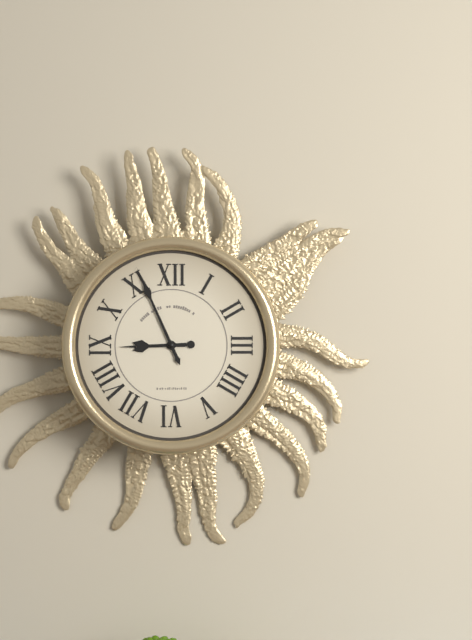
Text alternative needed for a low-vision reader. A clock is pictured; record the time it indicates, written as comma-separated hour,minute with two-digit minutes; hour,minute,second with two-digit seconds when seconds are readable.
8,56
